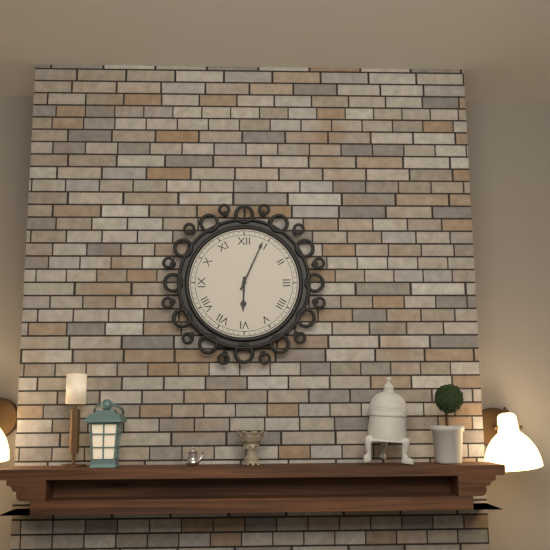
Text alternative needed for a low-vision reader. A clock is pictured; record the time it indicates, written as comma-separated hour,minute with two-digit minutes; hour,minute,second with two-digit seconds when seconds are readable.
6,04
